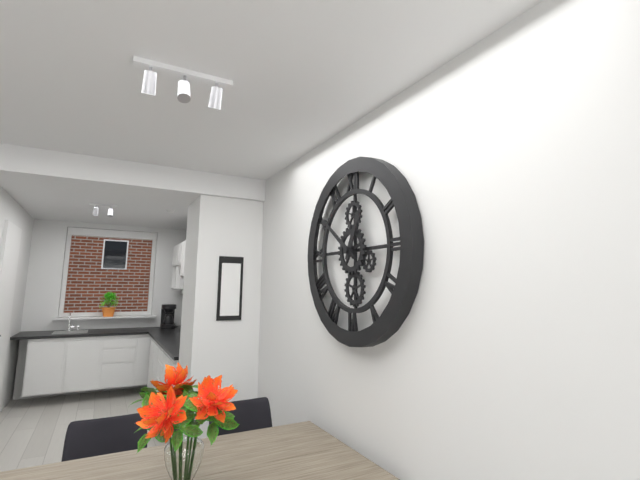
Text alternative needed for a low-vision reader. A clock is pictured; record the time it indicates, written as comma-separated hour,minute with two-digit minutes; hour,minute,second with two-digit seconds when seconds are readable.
12,51
